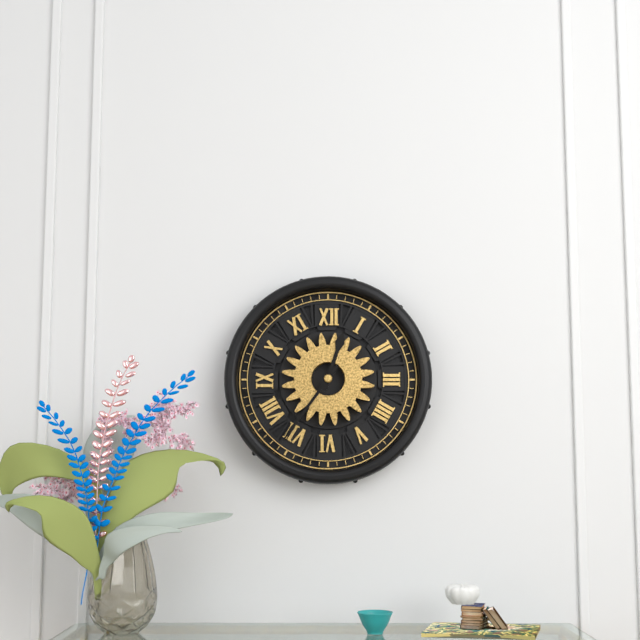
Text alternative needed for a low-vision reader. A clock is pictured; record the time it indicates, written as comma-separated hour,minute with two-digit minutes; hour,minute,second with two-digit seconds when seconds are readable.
12,36
